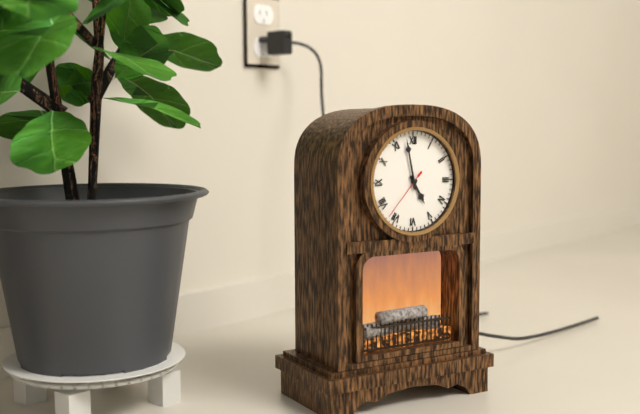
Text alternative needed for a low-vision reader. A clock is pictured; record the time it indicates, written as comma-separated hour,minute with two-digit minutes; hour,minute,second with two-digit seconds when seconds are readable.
4,58
